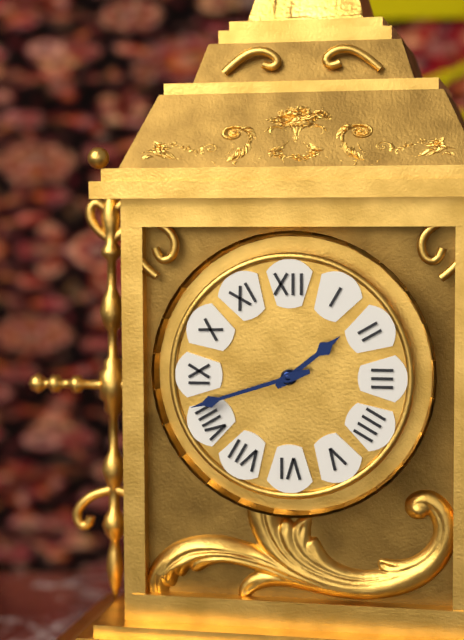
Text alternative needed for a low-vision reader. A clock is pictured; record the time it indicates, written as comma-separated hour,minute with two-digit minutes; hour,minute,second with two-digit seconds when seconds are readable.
1,42
